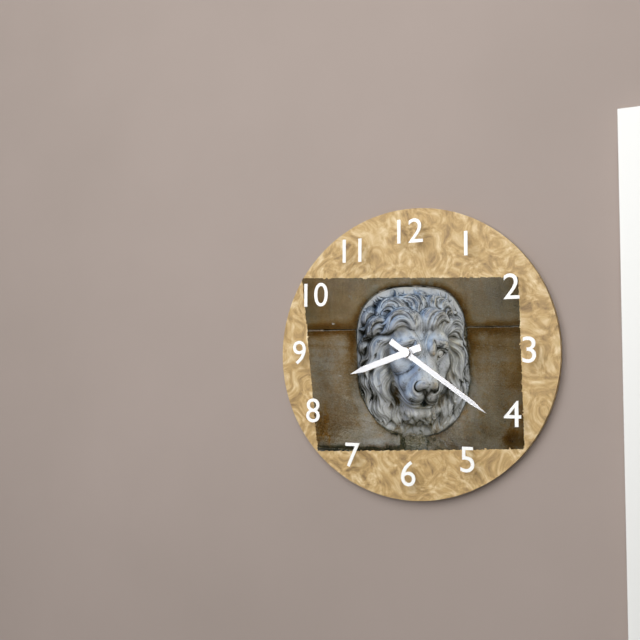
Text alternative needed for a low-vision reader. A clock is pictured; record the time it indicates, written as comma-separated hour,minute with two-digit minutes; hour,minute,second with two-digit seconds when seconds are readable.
8,21
